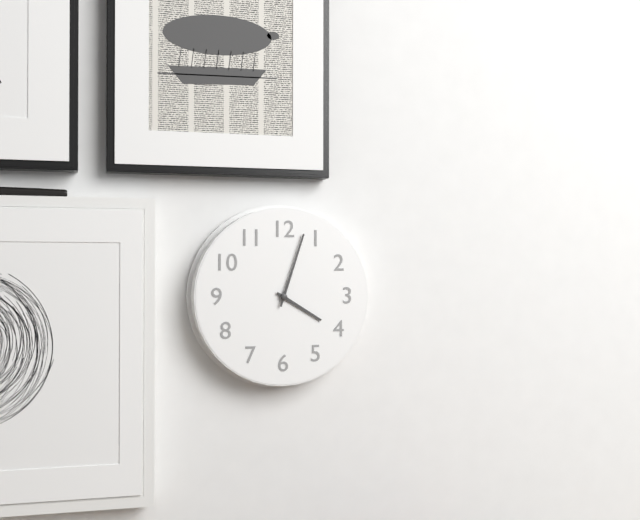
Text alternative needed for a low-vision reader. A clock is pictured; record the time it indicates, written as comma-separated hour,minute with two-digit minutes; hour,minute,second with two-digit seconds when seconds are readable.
4,03
